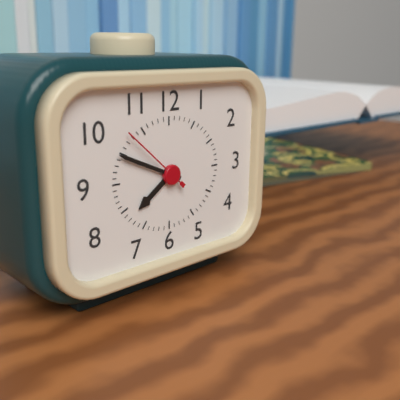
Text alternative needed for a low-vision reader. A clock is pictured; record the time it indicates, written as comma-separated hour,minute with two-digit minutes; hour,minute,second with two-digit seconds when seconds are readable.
7,49,52
